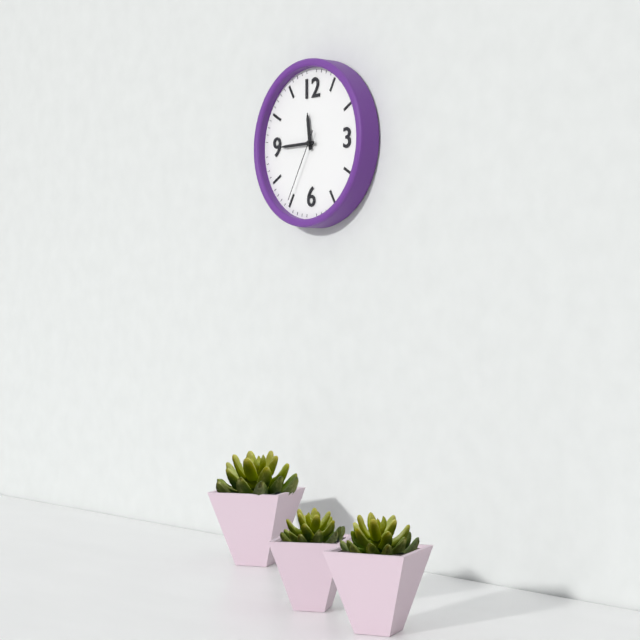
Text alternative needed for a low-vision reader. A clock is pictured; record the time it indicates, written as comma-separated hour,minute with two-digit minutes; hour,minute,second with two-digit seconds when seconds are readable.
11,45,35
